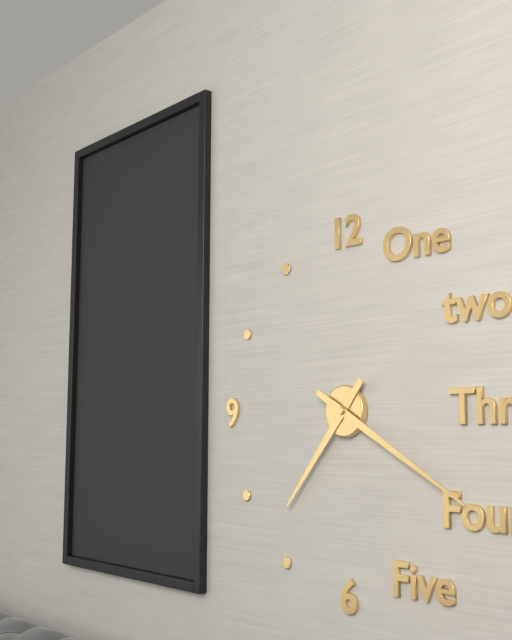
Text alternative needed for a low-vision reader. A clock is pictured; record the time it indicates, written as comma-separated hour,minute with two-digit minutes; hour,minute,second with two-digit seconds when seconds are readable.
7,20
